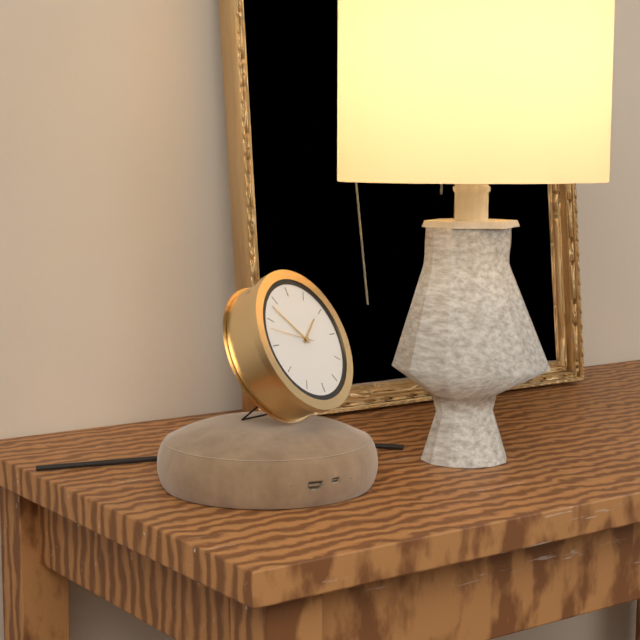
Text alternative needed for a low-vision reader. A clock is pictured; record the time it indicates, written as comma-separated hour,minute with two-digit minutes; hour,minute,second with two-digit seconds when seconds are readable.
1,53
